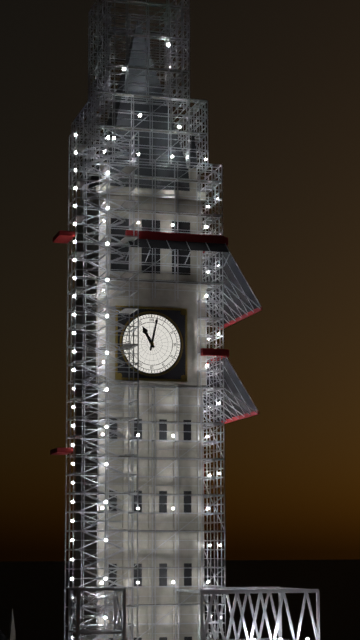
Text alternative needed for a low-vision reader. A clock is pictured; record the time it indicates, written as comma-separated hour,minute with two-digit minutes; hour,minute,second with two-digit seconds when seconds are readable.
11,02
